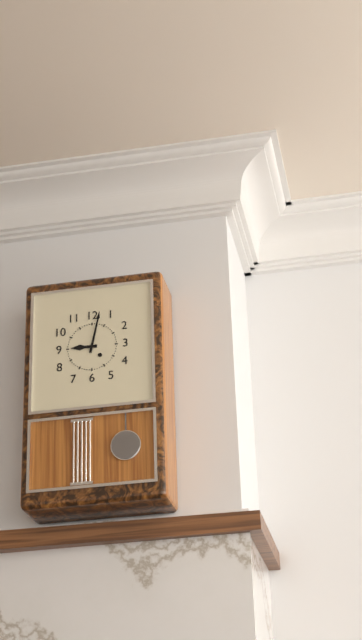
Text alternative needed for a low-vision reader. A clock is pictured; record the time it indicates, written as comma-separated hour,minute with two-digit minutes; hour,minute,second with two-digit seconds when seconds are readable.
9,02
